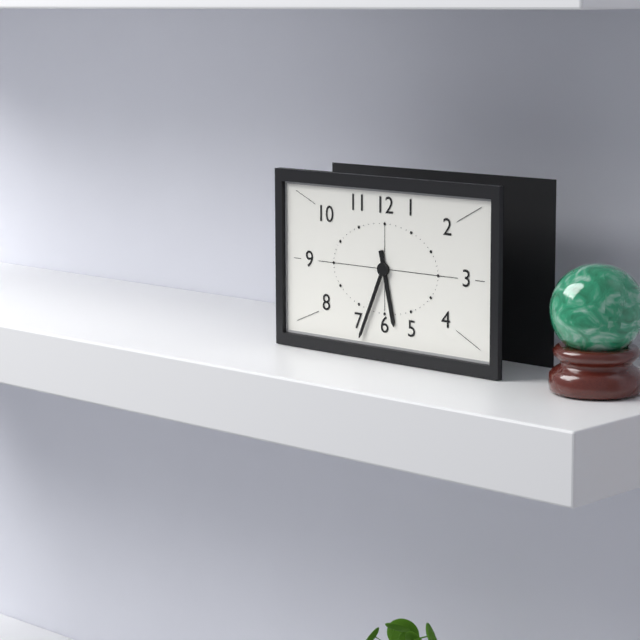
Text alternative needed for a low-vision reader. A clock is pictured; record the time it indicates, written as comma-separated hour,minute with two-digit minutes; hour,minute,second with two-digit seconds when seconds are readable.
5,34
